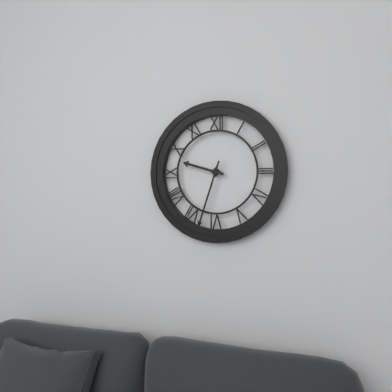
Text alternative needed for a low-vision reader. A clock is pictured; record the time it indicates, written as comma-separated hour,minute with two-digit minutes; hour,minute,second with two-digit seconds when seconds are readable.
9,33
